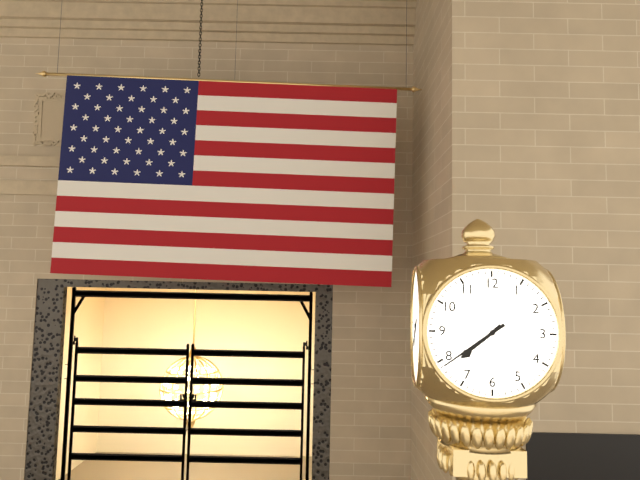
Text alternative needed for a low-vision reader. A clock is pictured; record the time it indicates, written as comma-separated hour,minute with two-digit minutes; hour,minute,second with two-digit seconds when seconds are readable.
7,39
